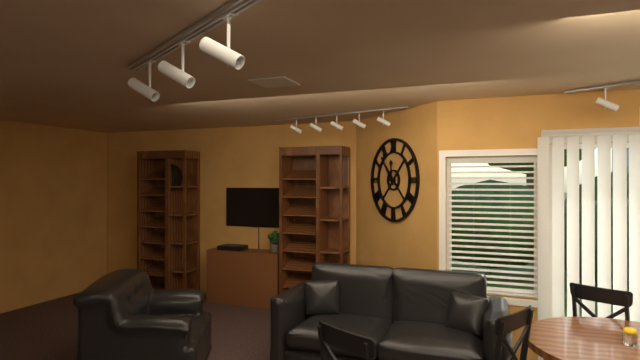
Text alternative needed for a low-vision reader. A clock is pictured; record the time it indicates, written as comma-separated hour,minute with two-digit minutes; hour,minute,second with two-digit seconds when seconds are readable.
11,54
